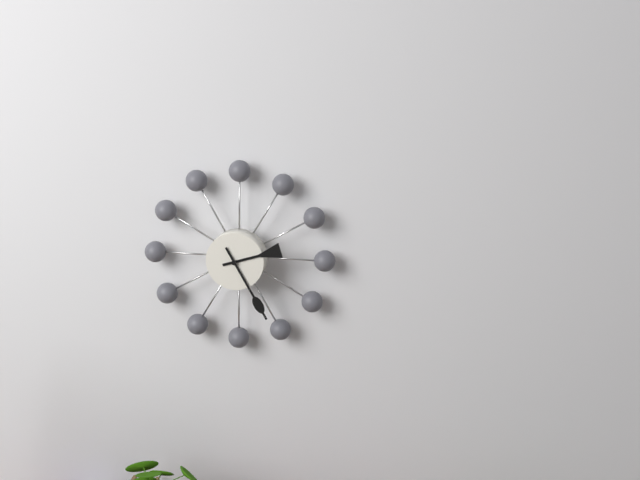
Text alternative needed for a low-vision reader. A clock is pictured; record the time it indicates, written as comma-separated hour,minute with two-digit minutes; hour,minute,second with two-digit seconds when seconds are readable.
2,25
